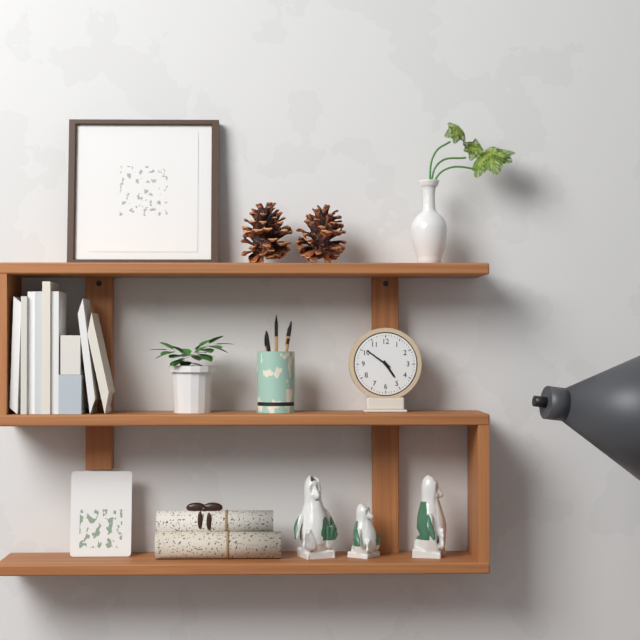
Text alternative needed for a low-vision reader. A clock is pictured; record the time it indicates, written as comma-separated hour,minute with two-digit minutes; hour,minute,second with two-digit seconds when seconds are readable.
4,51
